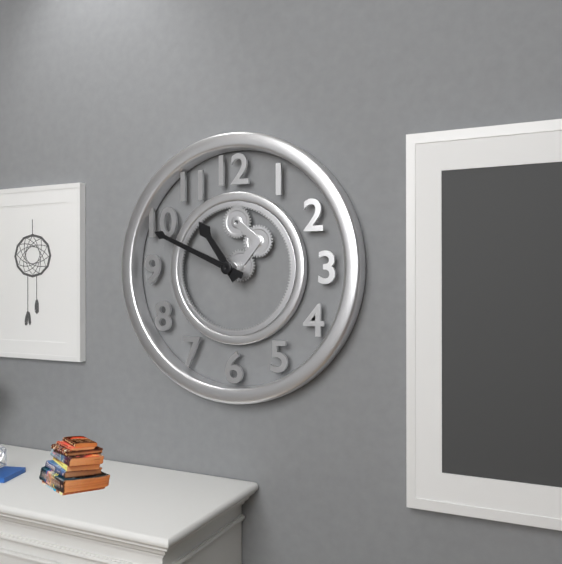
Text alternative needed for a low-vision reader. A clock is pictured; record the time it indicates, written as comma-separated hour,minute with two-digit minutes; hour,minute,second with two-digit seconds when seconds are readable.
10,49
